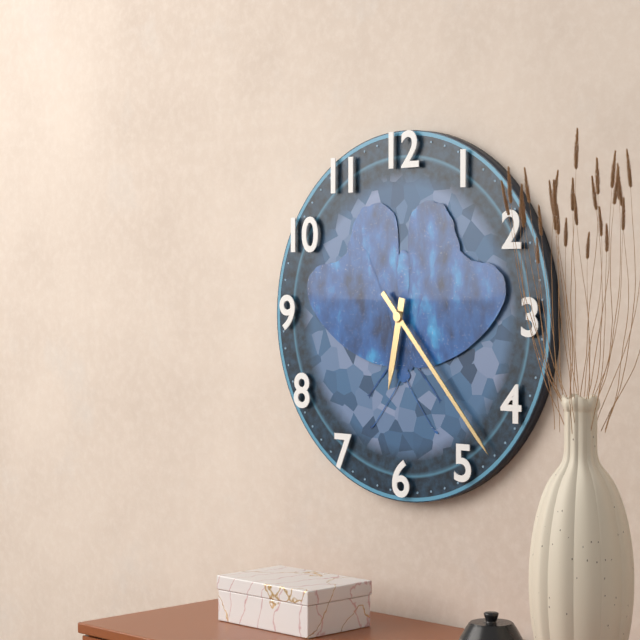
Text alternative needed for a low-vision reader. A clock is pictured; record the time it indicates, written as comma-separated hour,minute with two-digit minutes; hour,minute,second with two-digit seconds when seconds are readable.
6,23
